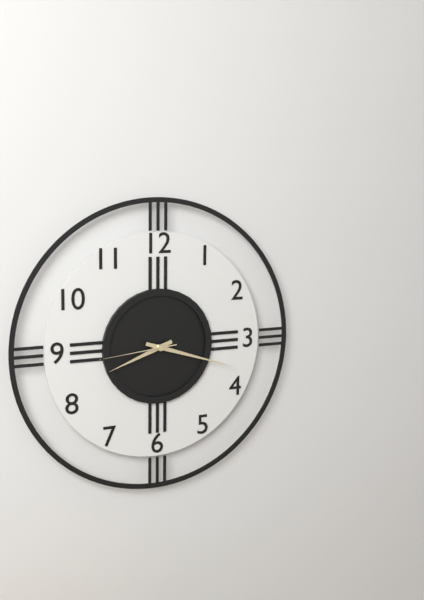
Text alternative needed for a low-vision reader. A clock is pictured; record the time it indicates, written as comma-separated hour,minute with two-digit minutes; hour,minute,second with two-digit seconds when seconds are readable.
8,18,44
